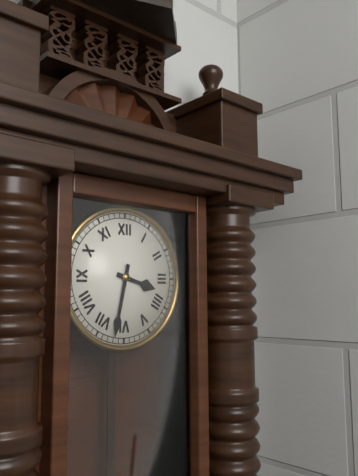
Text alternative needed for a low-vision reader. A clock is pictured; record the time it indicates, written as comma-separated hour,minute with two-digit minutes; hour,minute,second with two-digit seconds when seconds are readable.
3,32
